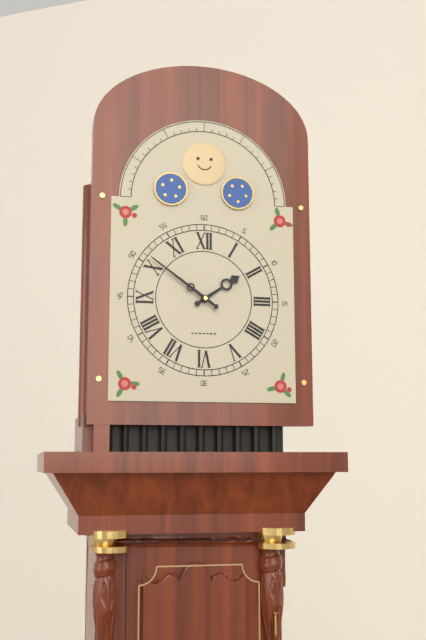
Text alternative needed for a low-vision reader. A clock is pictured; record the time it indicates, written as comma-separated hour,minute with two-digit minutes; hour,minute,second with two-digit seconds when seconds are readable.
1,51
